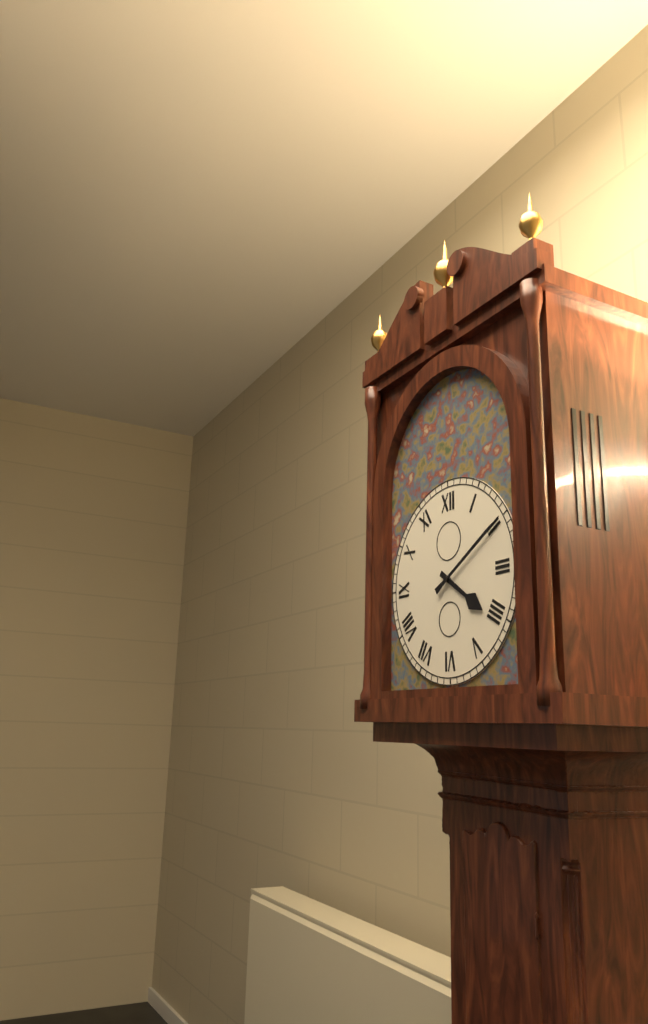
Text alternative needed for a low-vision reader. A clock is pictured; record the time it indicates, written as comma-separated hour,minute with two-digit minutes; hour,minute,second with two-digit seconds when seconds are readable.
4,10
